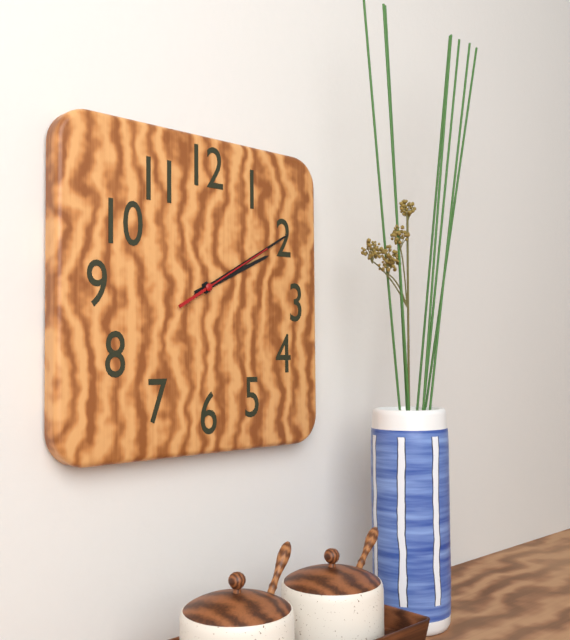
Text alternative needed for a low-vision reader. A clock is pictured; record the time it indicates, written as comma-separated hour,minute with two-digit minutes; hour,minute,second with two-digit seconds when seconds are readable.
2,10,10
